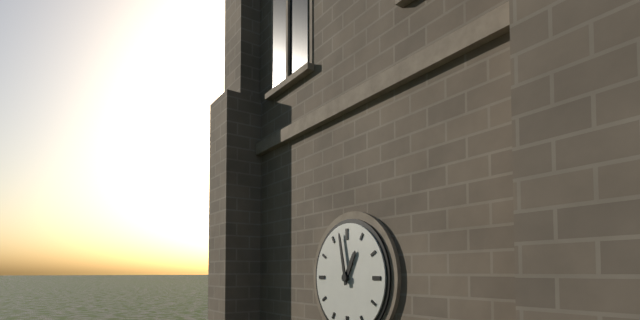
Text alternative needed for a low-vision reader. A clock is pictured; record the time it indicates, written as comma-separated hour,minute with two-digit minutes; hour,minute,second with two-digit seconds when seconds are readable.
12,58
